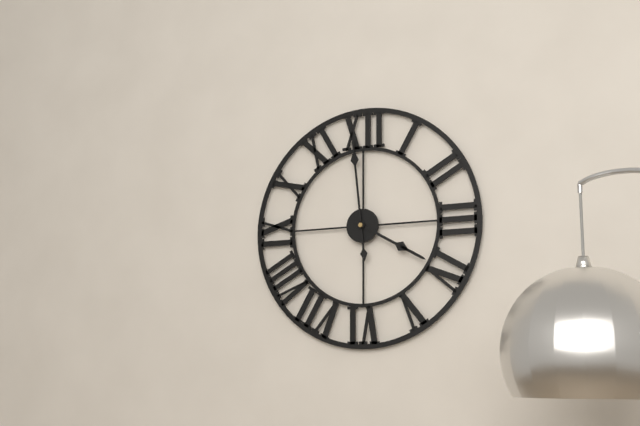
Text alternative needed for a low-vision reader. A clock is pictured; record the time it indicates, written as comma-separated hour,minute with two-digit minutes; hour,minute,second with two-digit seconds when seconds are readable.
3,59
